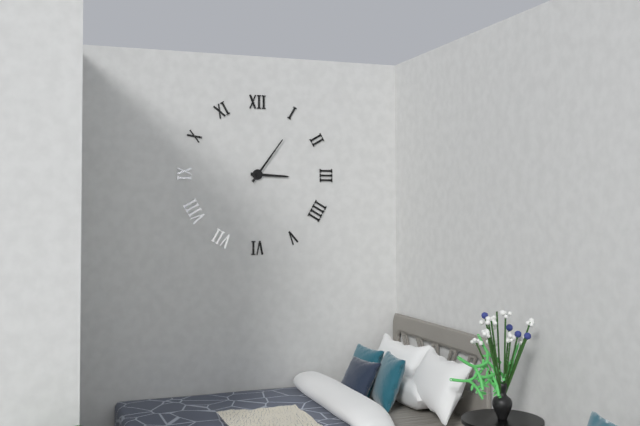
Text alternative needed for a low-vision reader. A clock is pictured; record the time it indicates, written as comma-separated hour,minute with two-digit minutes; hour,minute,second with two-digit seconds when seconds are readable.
3,06
